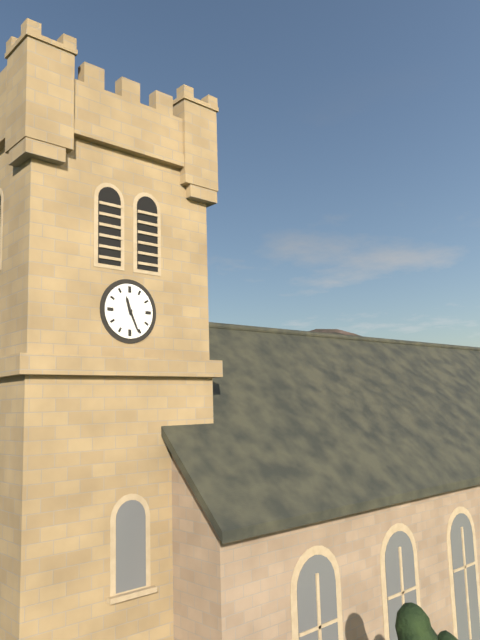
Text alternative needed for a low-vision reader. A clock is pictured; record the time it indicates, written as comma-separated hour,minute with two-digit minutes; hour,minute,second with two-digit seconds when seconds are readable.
11,26
